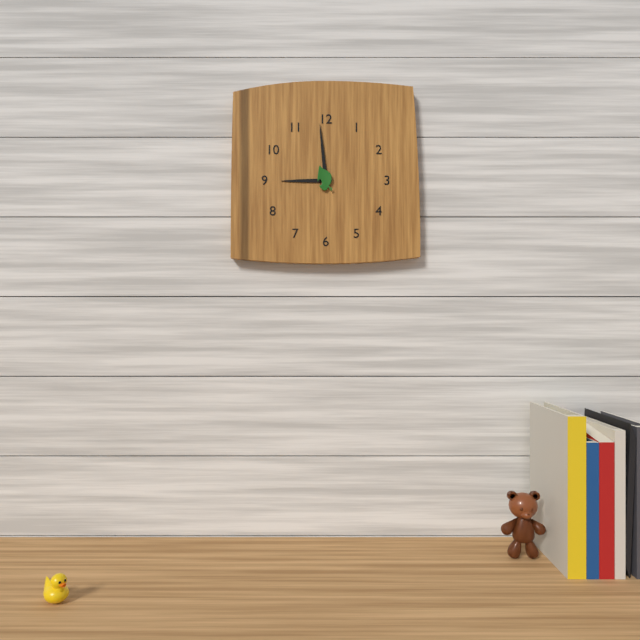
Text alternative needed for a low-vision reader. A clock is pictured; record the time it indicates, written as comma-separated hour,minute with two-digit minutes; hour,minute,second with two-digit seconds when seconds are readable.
8,59
